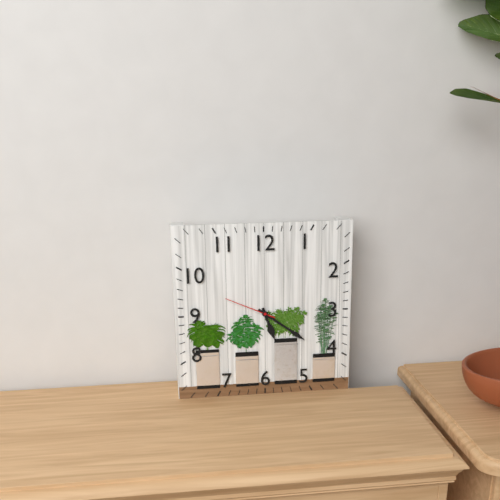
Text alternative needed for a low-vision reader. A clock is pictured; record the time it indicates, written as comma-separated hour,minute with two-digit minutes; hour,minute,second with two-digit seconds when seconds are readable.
5,21,49
